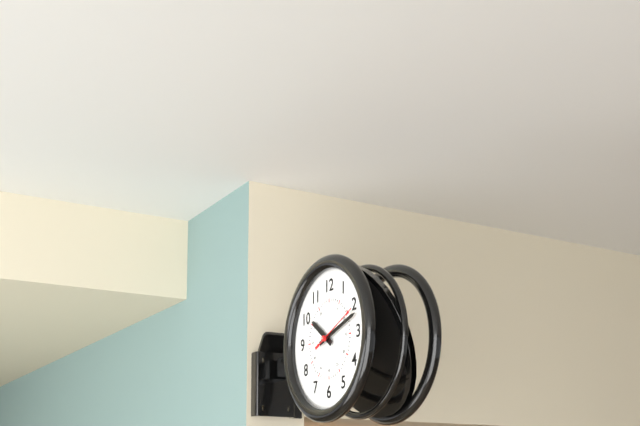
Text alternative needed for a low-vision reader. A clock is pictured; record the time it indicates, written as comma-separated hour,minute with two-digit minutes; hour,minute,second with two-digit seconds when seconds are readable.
10,12
